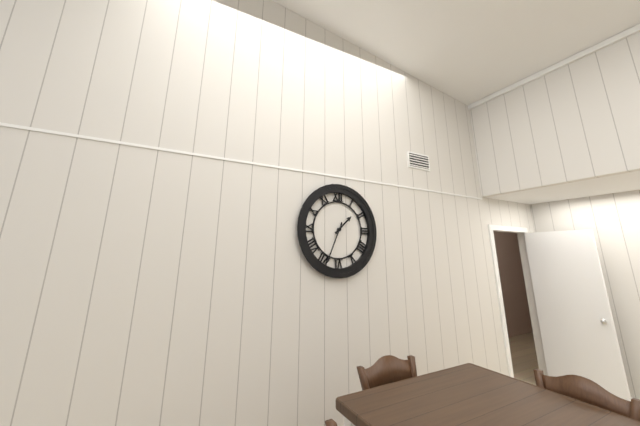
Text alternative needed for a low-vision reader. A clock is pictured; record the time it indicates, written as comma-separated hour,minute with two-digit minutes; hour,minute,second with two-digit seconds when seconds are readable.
1,34
